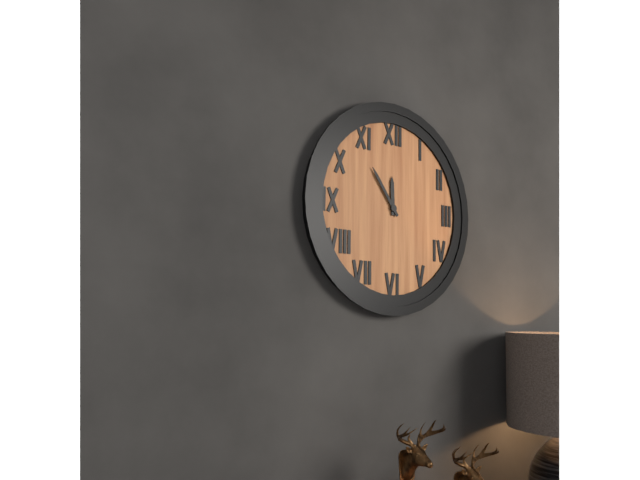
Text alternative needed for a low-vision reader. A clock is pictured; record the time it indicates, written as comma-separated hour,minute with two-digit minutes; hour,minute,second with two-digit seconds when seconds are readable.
11,54
